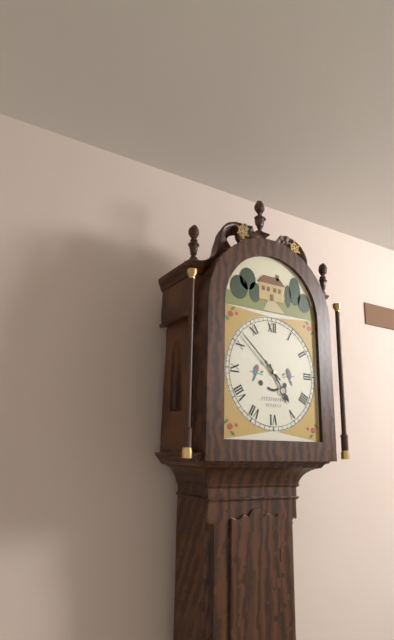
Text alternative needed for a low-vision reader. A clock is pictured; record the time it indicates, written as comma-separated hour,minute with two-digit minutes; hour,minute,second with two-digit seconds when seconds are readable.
4,52
